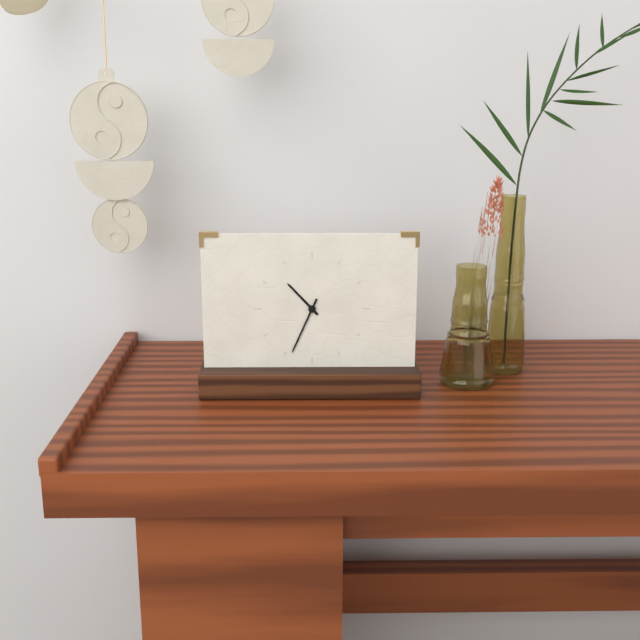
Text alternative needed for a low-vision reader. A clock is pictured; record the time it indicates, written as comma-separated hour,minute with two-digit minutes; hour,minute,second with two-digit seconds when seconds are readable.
10,34
